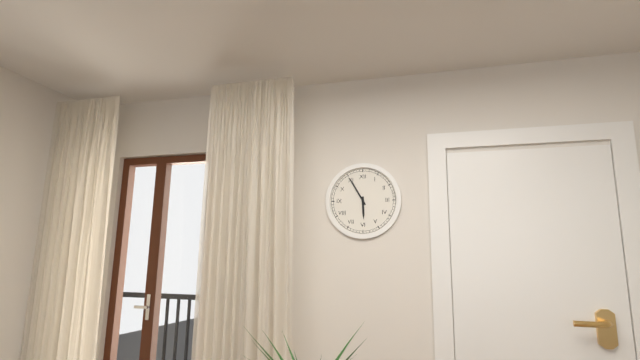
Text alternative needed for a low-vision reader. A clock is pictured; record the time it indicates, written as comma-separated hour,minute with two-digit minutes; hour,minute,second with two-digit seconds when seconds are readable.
5,55
